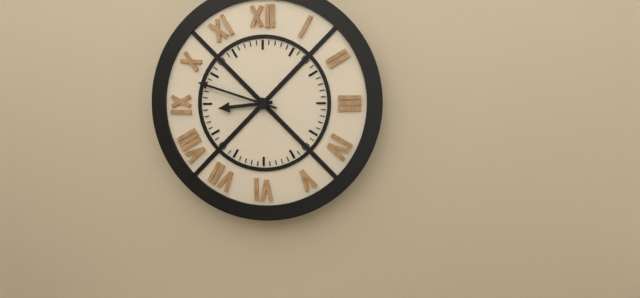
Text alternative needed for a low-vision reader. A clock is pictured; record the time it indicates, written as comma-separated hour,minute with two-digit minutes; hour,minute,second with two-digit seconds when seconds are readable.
8,48
